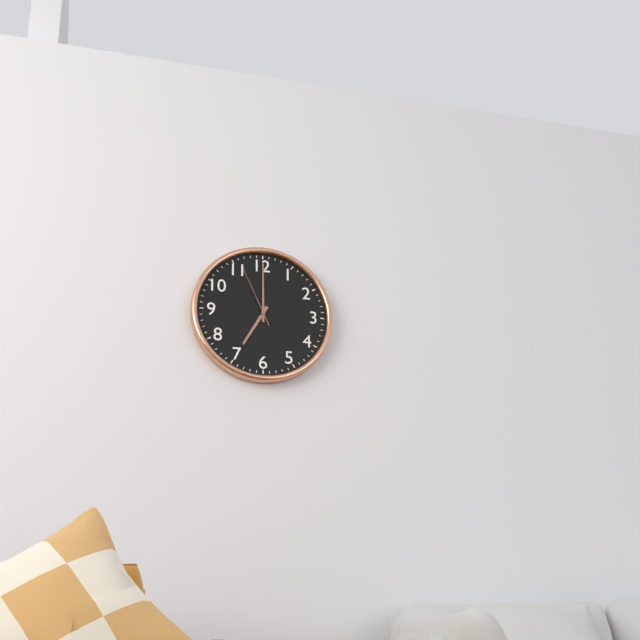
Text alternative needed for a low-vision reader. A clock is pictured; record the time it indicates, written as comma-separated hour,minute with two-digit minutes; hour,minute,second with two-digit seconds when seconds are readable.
7,00,56
